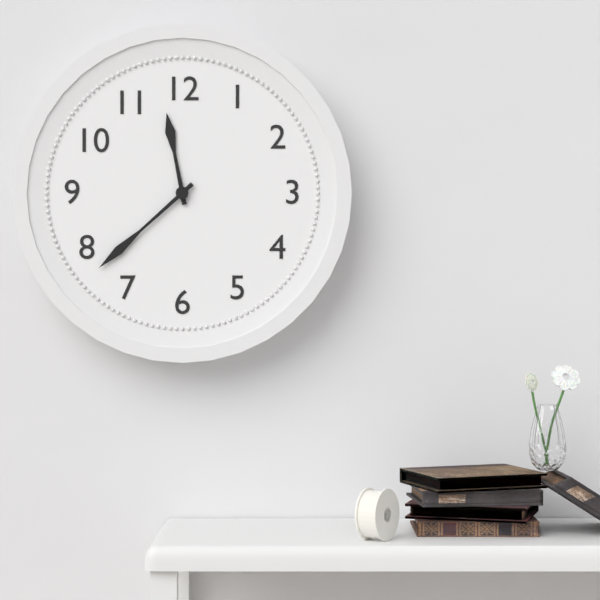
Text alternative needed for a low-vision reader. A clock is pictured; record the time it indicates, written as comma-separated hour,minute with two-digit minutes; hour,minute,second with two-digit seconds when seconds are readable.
11,38
